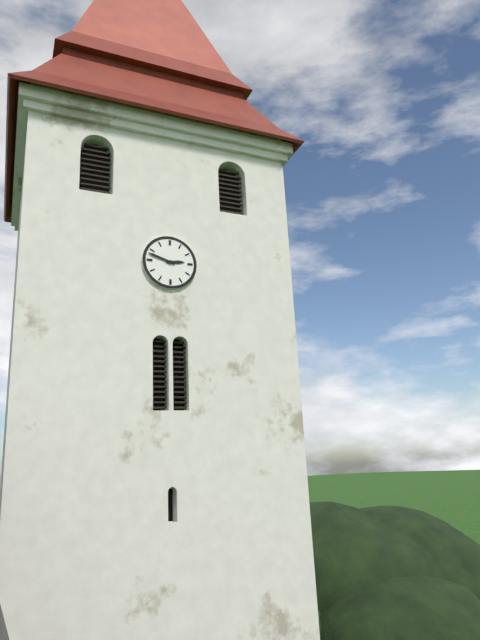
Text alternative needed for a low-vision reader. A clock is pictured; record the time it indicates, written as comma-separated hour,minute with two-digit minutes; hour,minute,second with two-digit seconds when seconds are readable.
2,48
